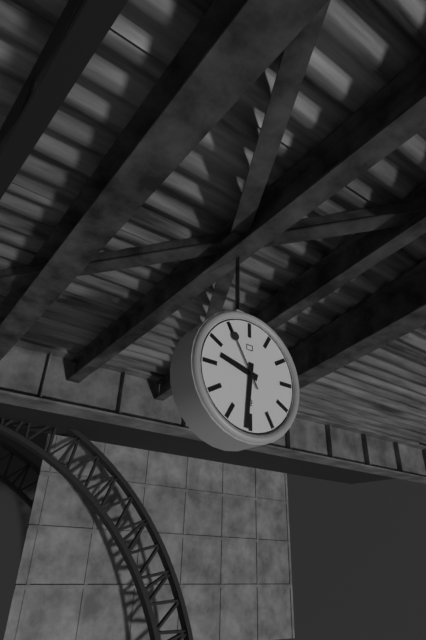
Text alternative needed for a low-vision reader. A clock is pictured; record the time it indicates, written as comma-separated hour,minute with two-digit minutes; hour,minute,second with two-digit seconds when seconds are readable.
9,31,55
